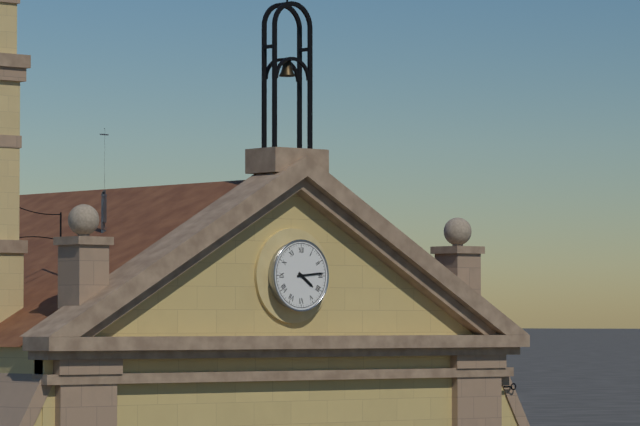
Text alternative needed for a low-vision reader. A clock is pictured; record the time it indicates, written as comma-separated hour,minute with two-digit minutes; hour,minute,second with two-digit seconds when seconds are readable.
4,14
